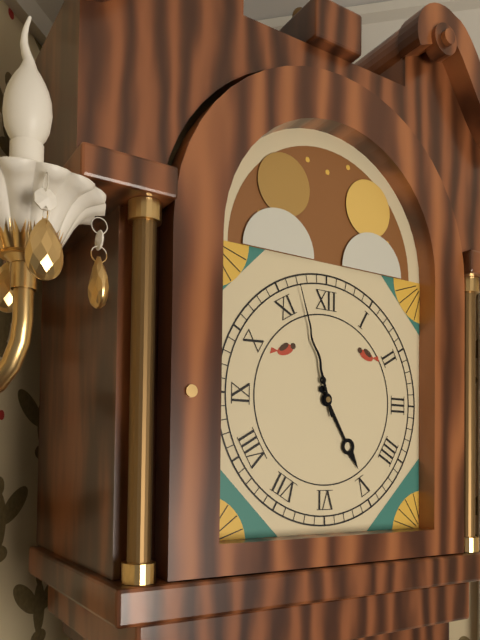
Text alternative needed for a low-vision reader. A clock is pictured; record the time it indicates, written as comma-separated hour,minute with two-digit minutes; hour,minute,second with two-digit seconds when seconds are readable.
4,57
